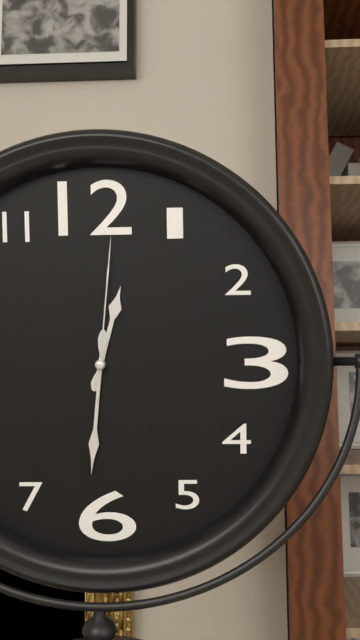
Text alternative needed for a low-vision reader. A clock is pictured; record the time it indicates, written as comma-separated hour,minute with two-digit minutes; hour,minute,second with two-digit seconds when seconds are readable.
12,31,01
